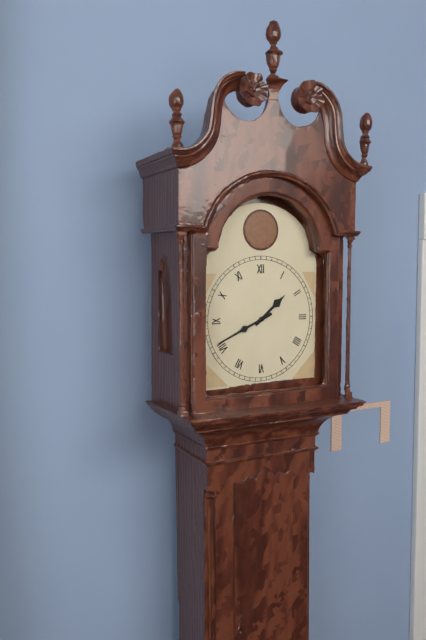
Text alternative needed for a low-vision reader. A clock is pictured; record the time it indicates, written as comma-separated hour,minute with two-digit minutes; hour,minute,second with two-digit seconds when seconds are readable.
1,41
